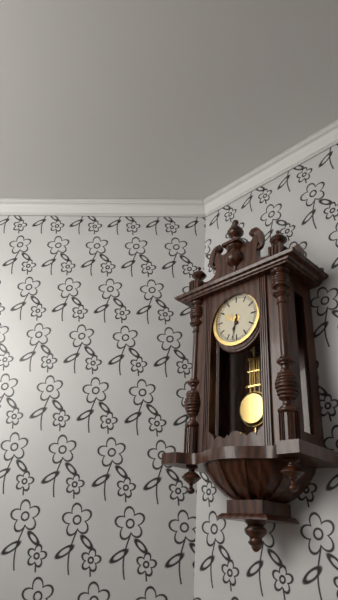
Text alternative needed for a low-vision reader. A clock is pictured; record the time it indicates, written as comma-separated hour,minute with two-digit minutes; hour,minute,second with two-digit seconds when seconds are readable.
6,32
